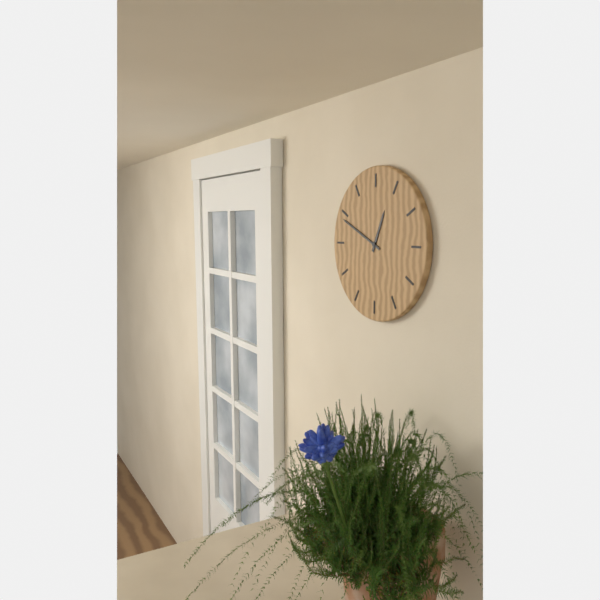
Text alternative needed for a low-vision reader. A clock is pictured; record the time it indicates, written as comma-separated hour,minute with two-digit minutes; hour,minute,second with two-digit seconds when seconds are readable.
12,49
